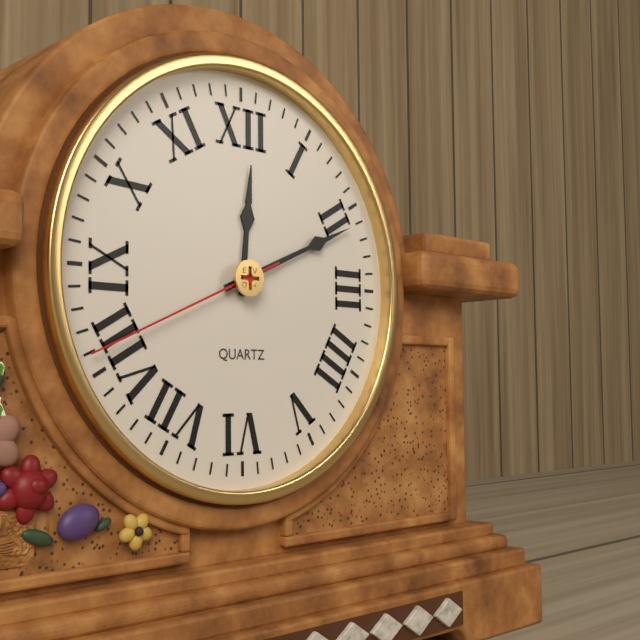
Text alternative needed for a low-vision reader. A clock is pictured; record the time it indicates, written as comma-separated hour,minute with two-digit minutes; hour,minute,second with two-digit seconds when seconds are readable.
12,11,41
